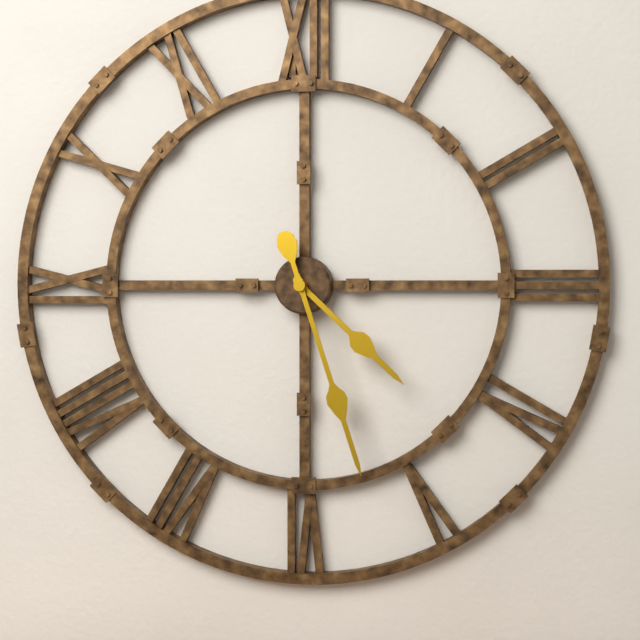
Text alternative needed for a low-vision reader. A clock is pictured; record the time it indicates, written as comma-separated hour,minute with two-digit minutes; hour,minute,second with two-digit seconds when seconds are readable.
4,27
